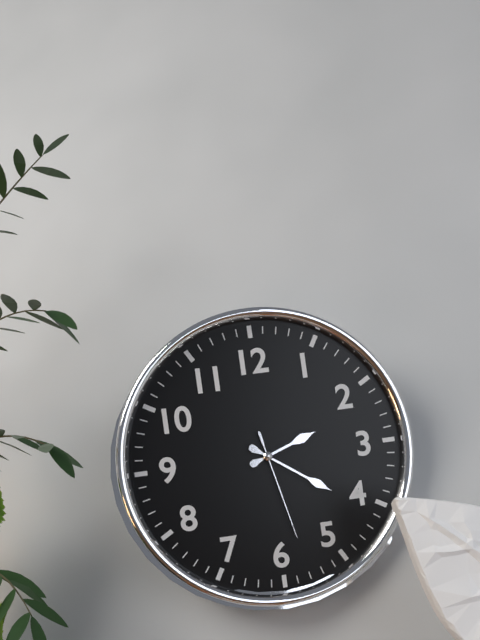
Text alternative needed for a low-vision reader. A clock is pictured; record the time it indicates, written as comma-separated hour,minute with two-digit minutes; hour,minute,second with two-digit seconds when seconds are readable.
2,21,28
